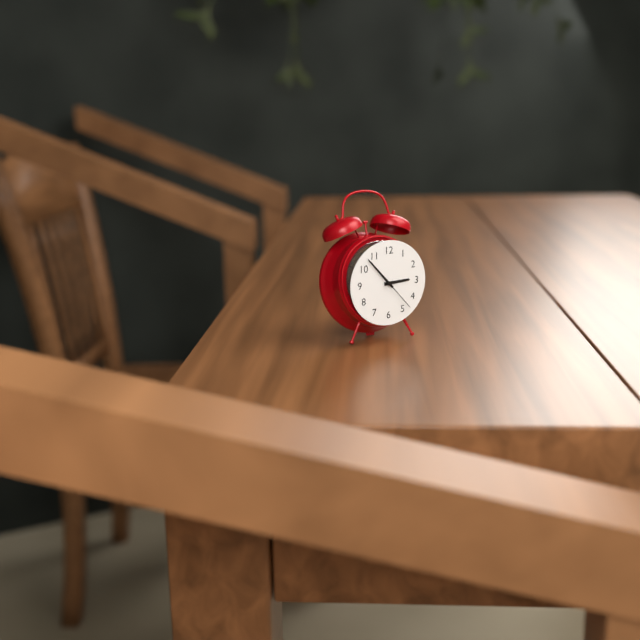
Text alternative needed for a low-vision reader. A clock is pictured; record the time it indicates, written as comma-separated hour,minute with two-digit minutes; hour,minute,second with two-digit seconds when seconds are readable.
2,53
